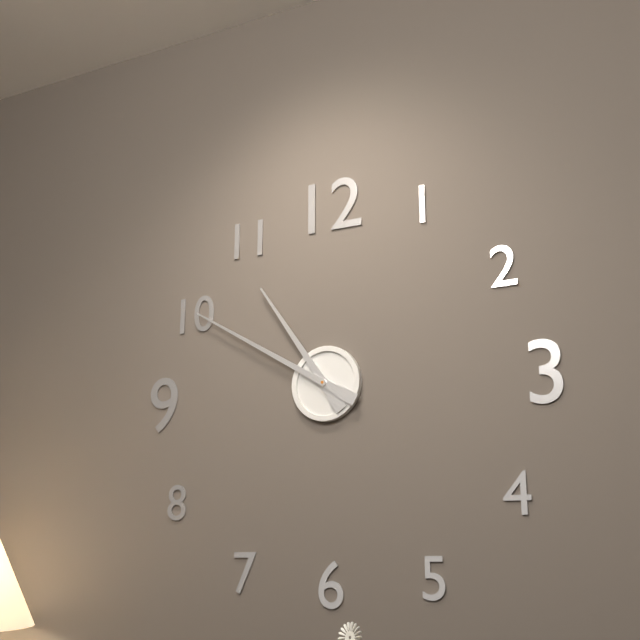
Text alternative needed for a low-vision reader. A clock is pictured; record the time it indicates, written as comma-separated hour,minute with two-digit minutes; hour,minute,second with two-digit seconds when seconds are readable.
10,50
